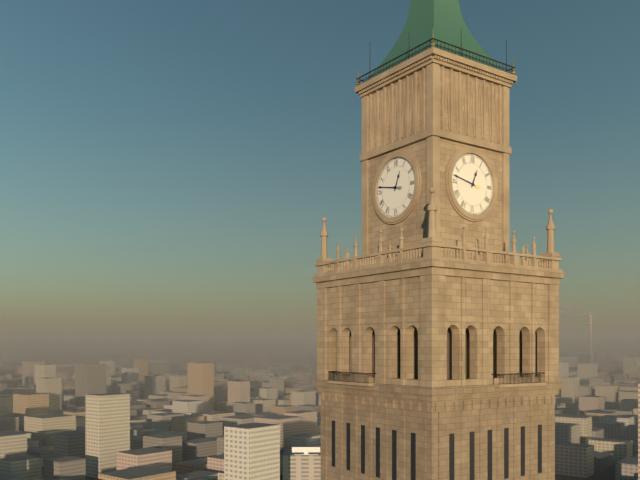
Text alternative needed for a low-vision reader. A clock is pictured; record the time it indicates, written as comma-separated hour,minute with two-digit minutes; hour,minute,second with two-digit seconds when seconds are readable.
12,47
